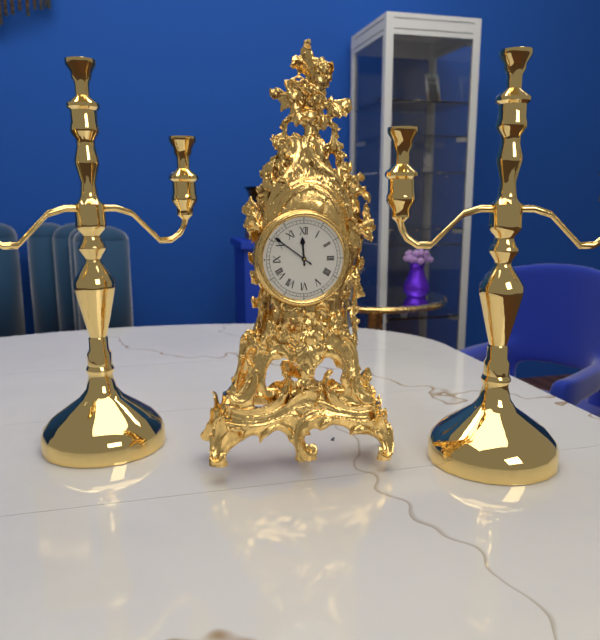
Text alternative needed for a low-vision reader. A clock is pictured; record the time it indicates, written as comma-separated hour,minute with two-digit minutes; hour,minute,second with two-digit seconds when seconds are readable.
11,51
